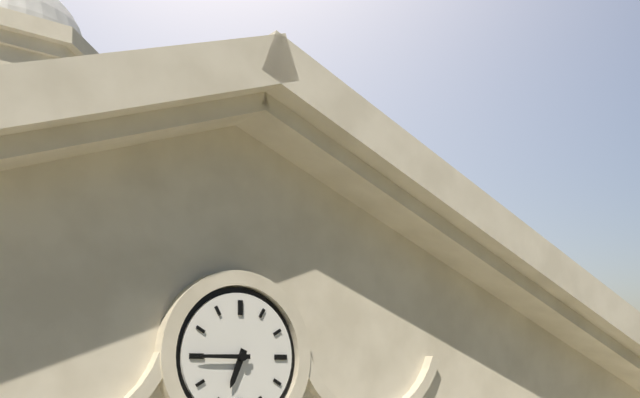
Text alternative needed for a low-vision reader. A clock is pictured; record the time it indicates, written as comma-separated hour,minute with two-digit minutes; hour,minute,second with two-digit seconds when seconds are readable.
6,45
